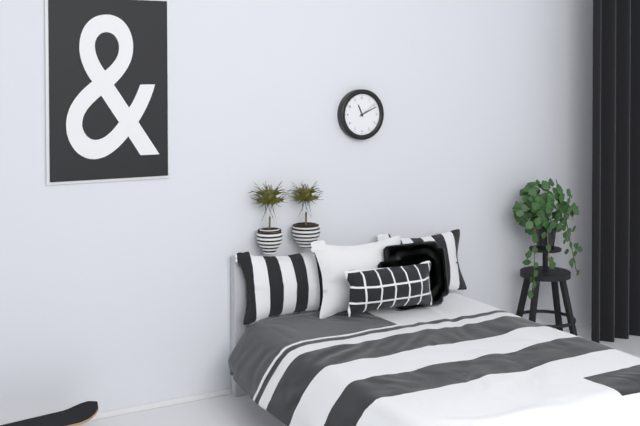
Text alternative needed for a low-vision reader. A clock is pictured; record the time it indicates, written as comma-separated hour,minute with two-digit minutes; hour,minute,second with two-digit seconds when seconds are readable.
11,11
